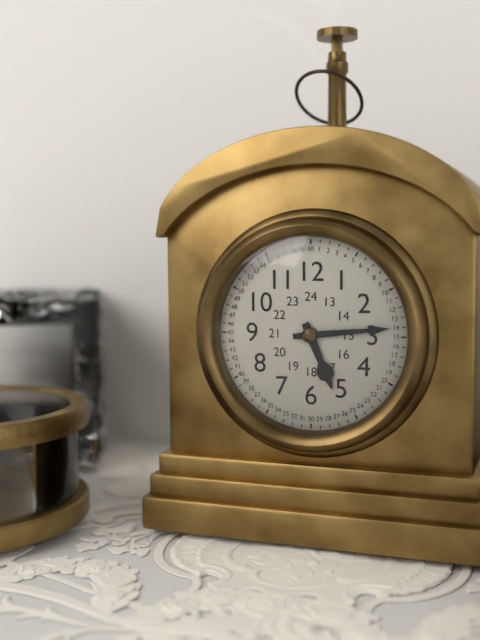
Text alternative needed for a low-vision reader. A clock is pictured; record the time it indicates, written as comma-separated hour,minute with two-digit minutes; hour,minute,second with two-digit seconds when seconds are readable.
5,14
